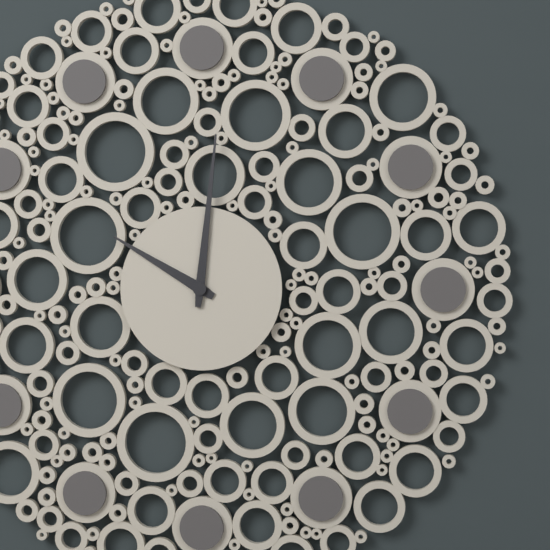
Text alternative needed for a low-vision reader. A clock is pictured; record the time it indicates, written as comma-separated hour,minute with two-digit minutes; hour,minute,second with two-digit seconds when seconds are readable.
10,01
